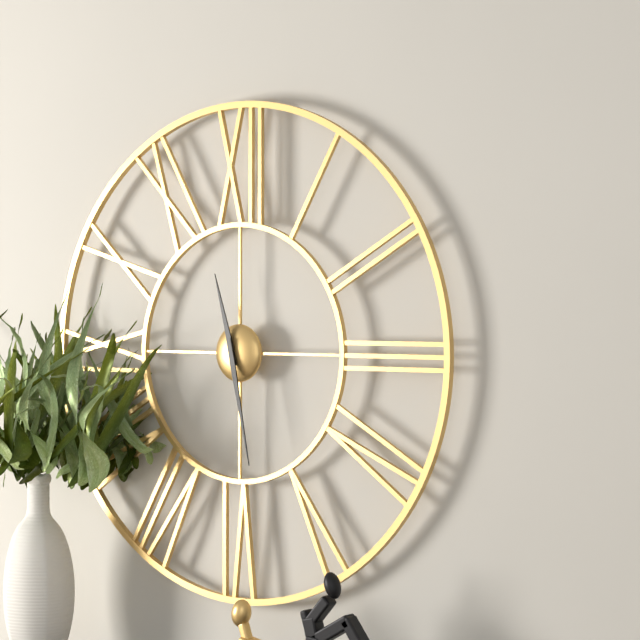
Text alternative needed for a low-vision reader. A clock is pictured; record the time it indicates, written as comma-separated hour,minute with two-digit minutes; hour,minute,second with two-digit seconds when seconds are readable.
11,28
